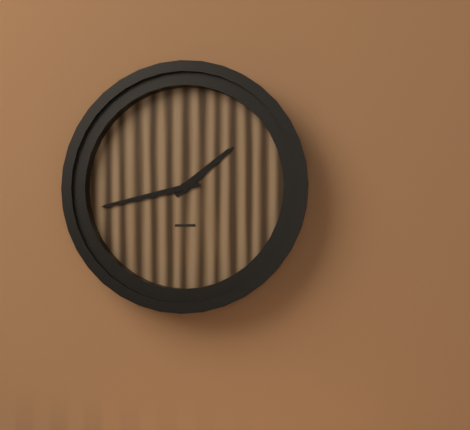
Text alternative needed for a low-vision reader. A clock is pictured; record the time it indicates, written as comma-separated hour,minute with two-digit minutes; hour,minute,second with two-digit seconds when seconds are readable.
1,43
